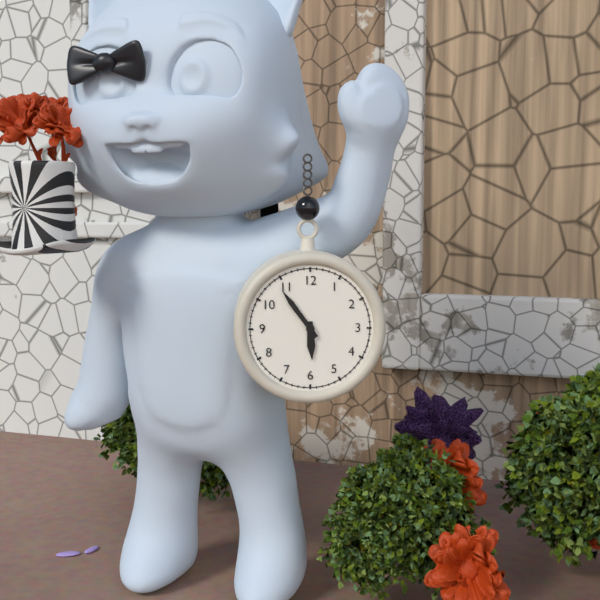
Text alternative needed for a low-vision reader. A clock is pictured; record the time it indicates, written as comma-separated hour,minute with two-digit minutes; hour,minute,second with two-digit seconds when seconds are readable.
5,54
